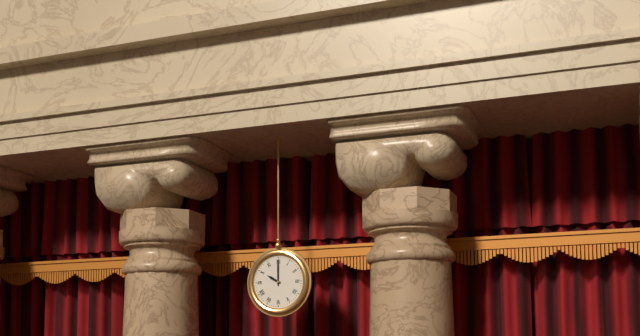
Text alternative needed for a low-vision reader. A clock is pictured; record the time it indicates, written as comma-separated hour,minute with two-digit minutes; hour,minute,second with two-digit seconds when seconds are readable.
10,00
